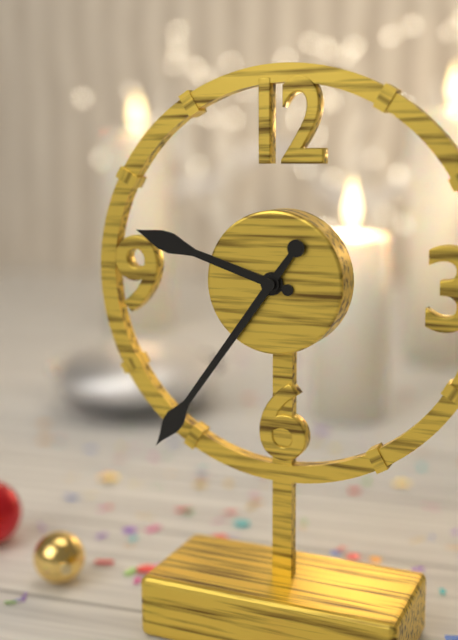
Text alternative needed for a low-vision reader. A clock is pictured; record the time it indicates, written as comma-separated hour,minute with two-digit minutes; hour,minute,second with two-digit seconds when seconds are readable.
9,36
